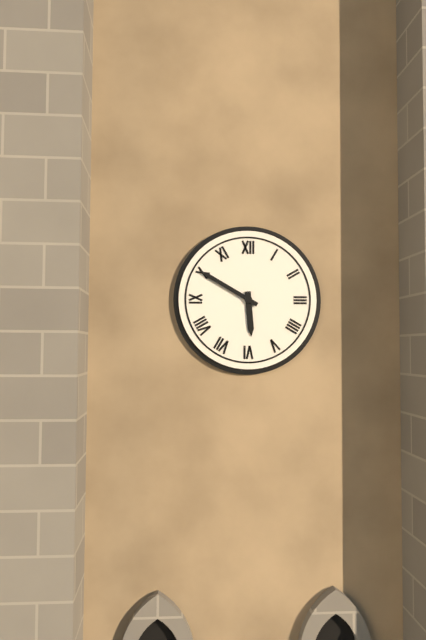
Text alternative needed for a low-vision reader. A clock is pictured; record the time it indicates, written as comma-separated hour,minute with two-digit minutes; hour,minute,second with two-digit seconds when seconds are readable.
5,50
